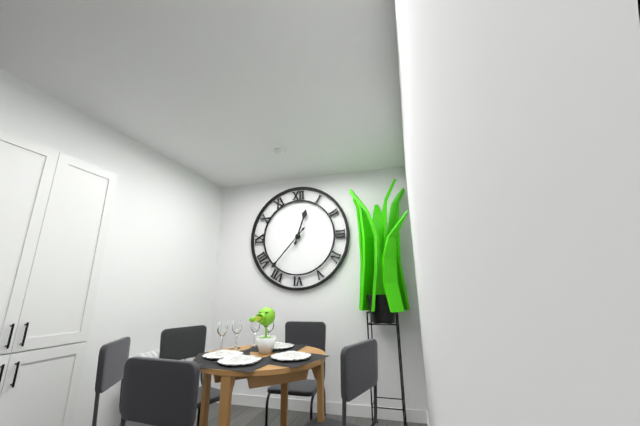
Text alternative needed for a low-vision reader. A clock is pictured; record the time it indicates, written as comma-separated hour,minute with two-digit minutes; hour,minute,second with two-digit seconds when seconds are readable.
12,37
